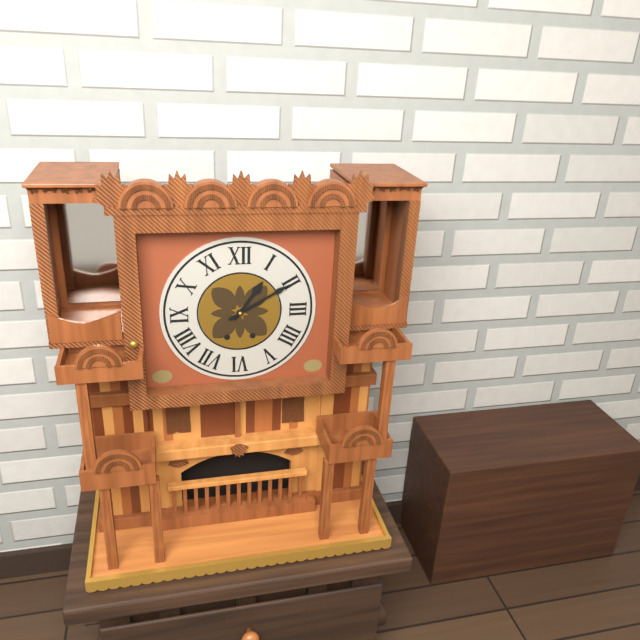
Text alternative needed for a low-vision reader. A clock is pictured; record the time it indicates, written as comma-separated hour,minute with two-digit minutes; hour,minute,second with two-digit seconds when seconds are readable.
1,10
